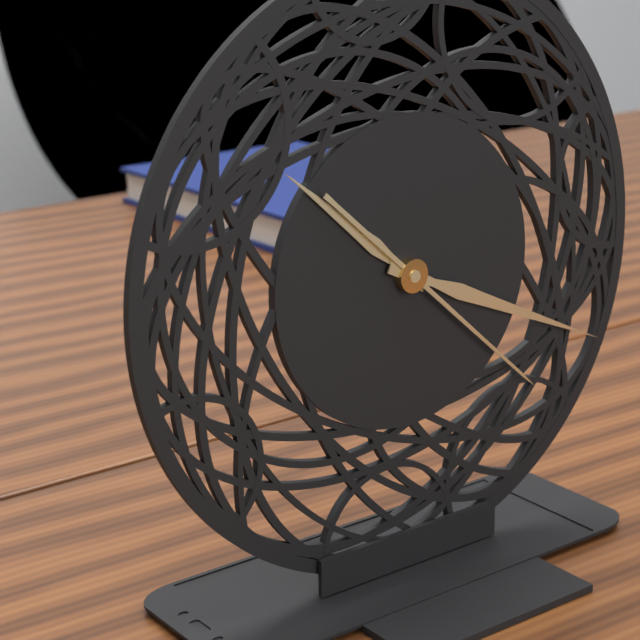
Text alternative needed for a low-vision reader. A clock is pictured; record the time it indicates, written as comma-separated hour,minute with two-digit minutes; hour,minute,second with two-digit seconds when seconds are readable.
10,19,22
